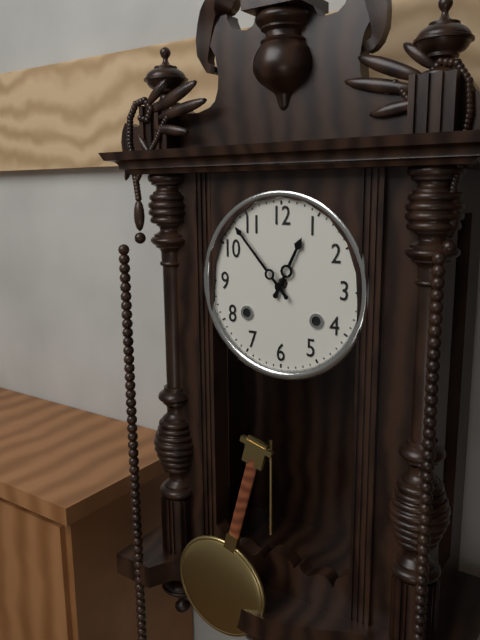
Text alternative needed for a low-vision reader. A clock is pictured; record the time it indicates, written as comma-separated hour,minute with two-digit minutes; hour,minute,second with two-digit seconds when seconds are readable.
12,53
